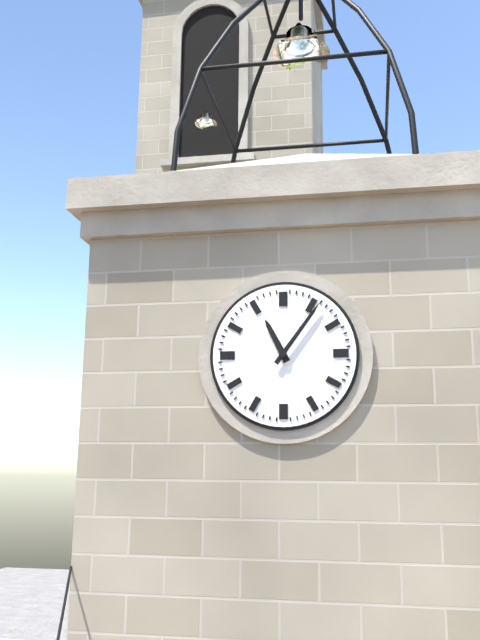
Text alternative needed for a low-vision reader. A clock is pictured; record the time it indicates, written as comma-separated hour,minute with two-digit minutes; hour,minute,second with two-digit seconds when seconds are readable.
11,06
